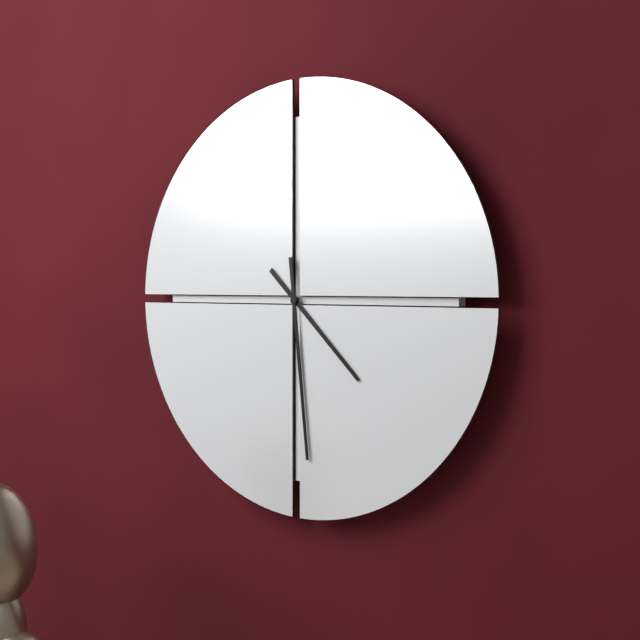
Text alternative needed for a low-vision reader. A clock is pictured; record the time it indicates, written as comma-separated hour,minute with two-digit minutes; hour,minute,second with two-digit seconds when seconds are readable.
4,29
